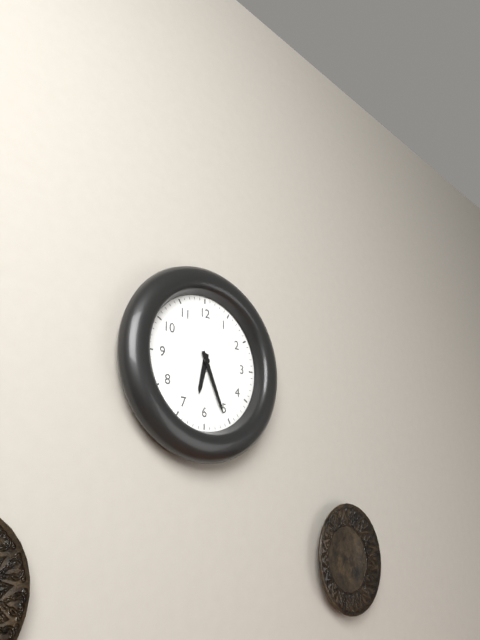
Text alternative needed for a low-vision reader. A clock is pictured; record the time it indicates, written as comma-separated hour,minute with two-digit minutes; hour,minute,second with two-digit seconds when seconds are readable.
6,26
